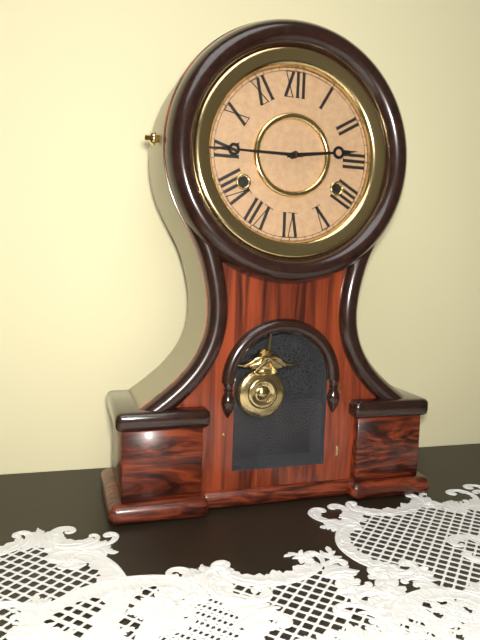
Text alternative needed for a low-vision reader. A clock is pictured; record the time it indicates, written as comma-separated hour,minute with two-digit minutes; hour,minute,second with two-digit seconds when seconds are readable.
2,45
